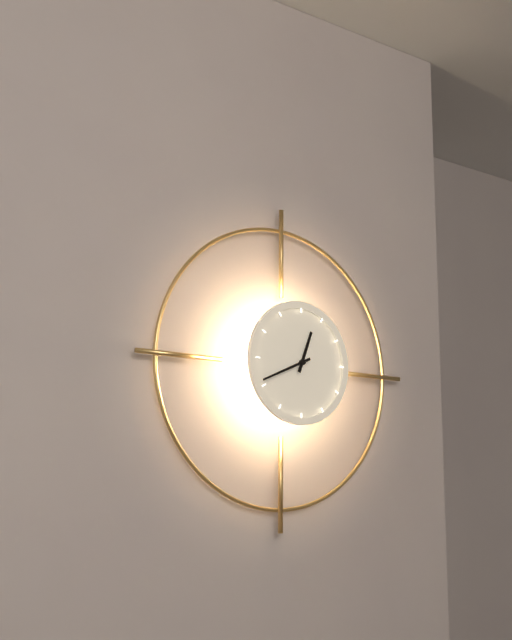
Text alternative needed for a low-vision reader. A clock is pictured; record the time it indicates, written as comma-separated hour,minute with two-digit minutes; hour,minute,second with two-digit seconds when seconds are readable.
12,41
